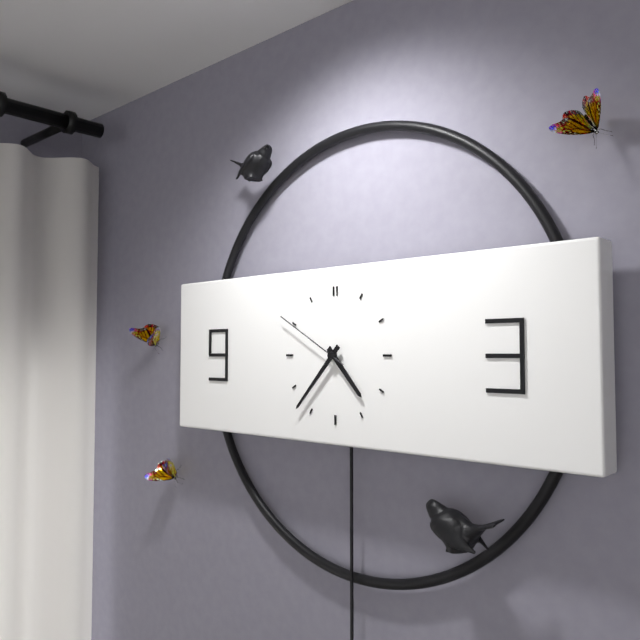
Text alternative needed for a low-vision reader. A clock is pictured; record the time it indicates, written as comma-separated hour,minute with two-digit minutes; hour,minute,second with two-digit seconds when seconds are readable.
4,37,50
